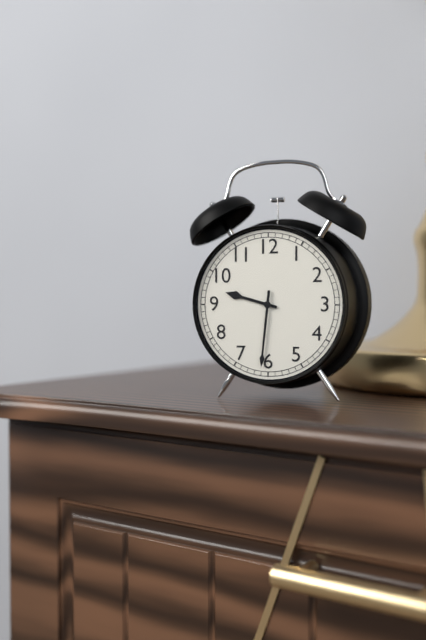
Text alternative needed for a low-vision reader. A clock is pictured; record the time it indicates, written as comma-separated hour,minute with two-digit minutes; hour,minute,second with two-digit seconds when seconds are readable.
9,31
